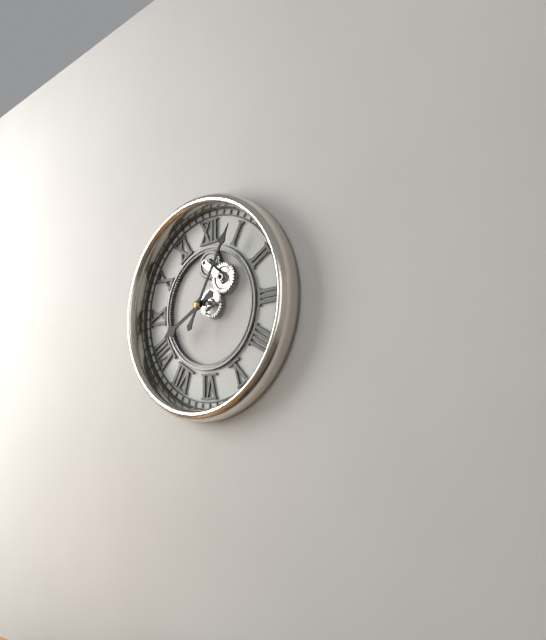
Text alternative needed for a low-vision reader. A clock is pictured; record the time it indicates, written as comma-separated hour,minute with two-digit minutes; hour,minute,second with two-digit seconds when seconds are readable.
8,05
